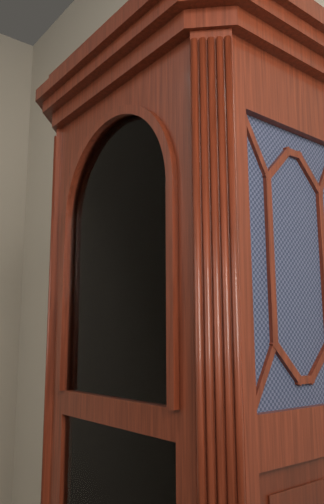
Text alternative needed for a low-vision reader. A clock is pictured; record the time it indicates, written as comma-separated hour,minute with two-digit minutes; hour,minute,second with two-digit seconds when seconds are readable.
5,56
